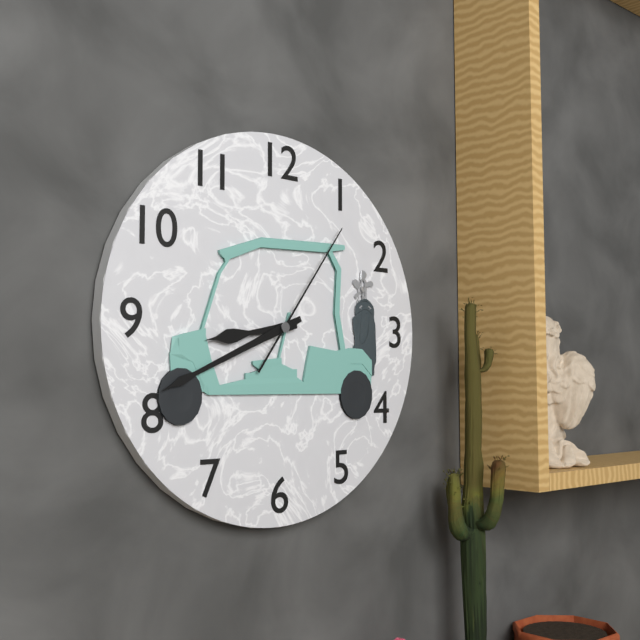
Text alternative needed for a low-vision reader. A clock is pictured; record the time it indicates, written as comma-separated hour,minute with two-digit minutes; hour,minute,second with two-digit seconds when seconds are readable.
8,41,06
